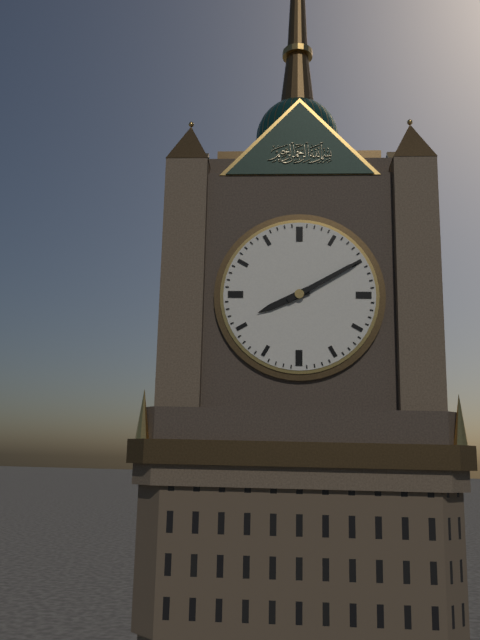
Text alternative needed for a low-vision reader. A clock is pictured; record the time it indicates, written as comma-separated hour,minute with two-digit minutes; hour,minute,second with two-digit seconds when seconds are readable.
8,10
